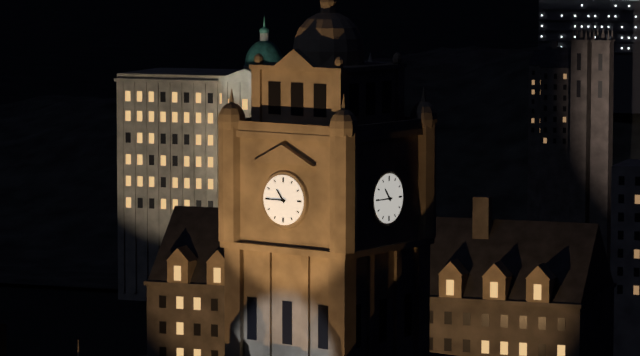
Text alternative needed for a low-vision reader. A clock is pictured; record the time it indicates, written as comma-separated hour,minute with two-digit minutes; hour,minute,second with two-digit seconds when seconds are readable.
10,45
